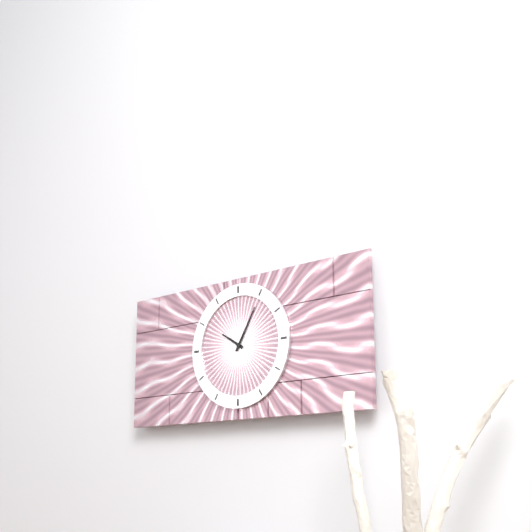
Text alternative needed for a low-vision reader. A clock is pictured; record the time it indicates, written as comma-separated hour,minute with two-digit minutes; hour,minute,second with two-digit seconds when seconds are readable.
10,05
